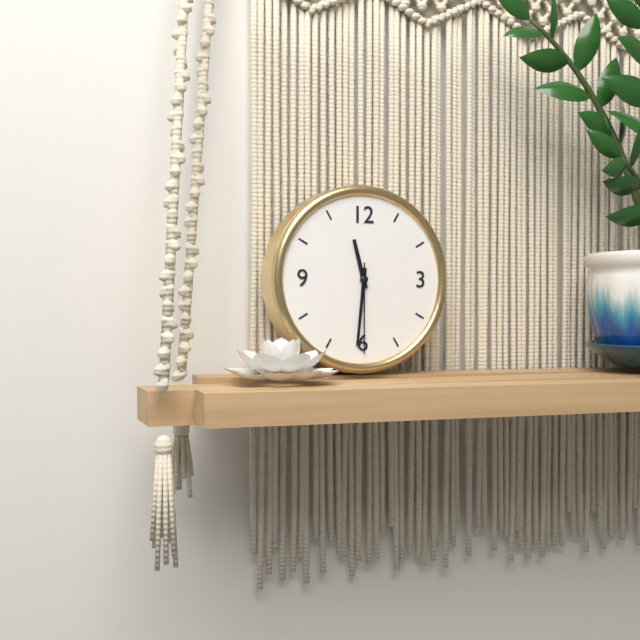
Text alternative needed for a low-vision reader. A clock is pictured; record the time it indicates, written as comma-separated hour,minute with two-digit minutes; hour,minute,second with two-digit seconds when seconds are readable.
11,31,30
